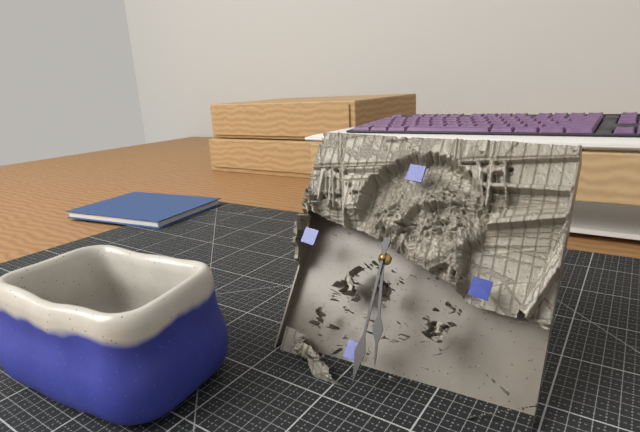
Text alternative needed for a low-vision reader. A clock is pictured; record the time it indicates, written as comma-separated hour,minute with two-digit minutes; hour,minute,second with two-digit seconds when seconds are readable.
5,29
